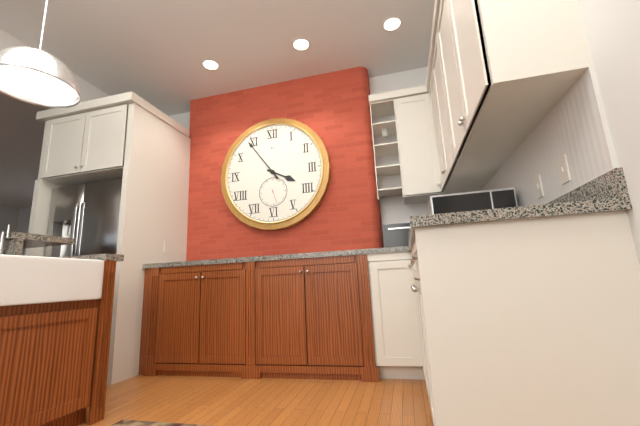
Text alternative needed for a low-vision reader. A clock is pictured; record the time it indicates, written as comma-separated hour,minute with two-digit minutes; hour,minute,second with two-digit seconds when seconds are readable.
3,54
